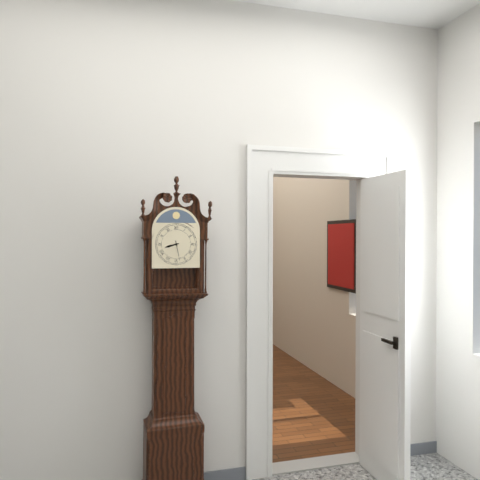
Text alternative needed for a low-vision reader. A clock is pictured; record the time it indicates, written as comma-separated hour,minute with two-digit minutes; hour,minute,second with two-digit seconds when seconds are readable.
8,28
